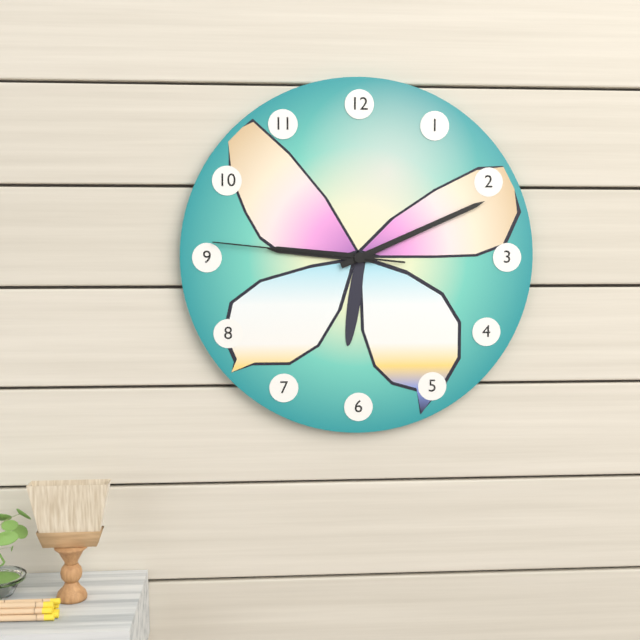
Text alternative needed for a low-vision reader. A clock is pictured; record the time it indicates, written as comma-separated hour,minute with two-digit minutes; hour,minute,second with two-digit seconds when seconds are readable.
9,11,46
